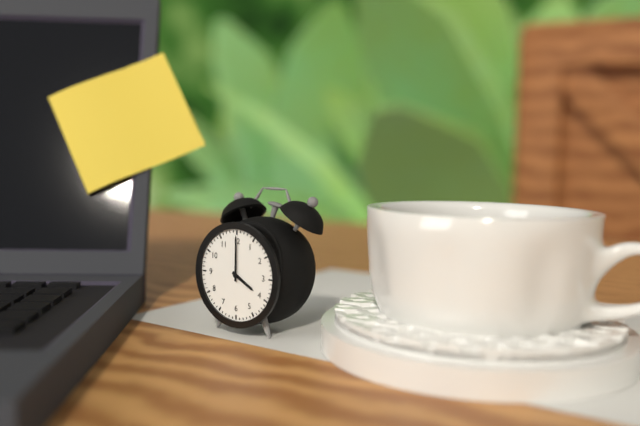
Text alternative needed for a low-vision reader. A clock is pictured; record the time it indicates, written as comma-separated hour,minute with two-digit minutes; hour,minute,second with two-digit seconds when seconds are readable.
4,00
